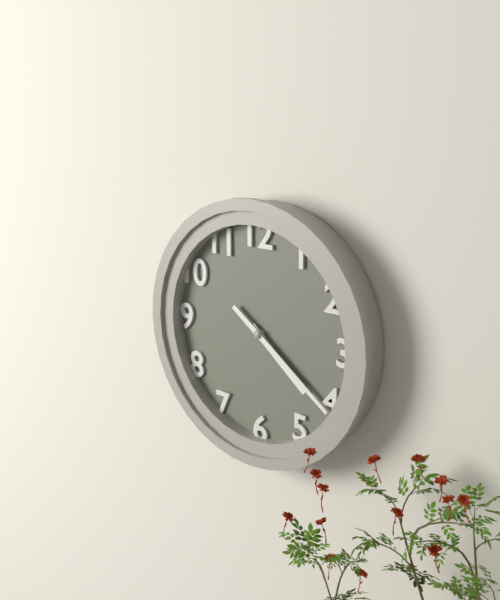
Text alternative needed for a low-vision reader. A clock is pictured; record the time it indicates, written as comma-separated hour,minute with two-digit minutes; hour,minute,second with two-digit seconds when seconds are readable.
4,21
